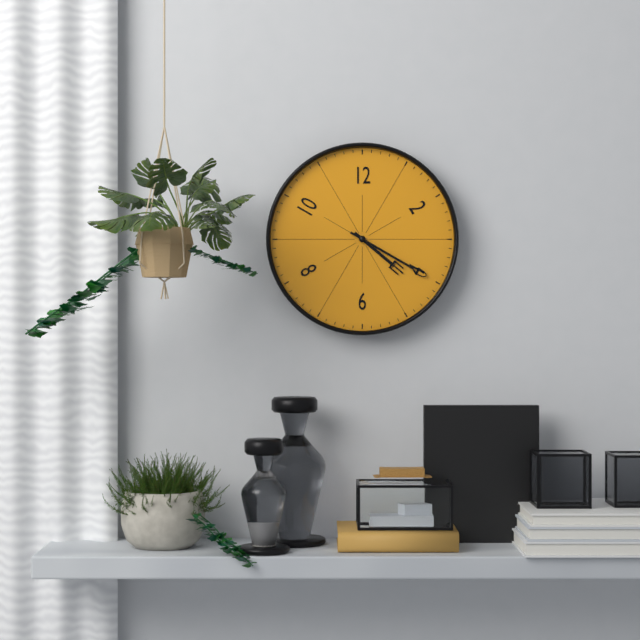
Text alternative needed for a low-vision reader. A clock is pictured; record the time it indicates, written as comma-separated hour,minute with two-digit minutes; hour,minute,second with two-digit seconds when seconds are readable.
4,20
